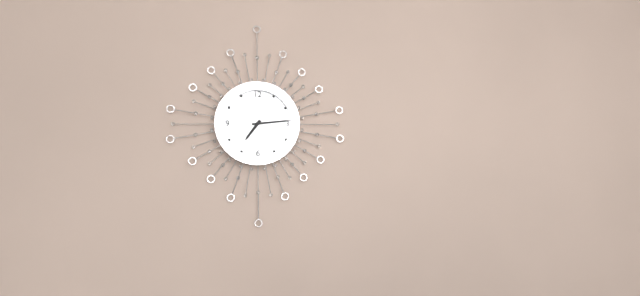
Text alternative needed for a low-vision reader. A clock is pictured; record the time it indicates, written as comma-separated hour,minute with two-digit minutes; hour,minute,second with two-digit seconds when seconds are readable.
7,14
